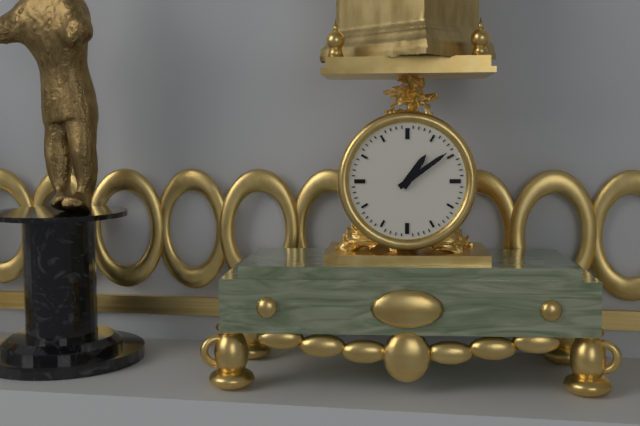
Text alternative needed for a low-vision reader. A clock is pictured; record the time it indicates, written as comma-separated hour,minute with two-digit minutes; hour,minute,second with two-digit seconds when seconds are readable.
1,09
